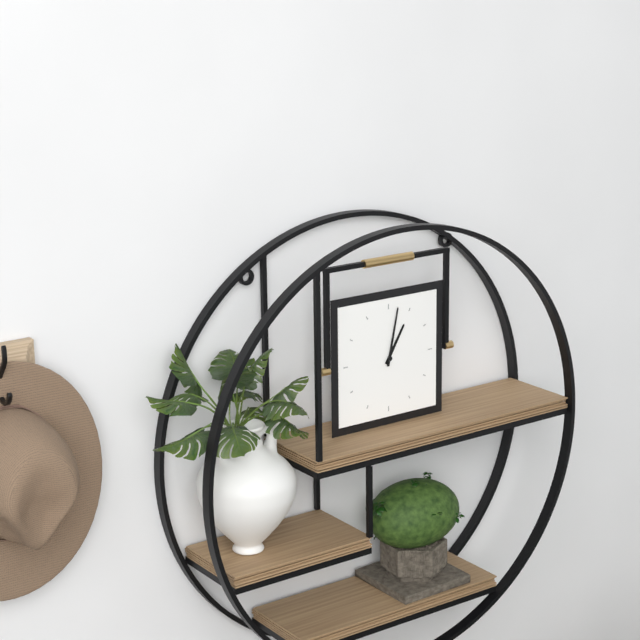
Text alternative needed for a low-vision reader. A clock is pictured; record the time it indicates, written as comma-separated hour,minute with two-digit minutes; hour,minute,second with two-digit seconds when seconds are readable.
1,02
